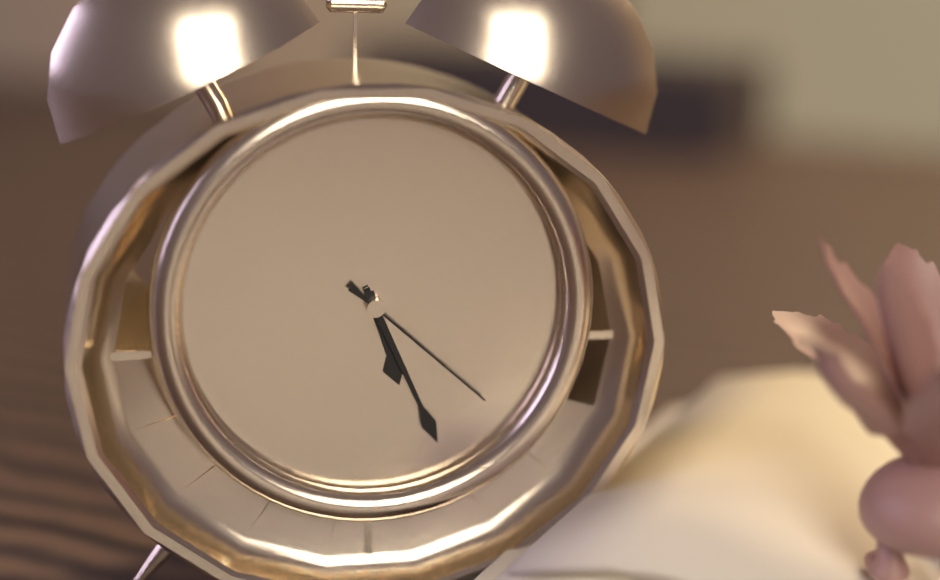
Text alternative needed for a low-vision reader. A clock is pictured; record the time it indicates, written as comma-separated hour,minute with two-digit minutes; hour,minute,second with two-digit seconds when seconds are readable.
5,26,22
